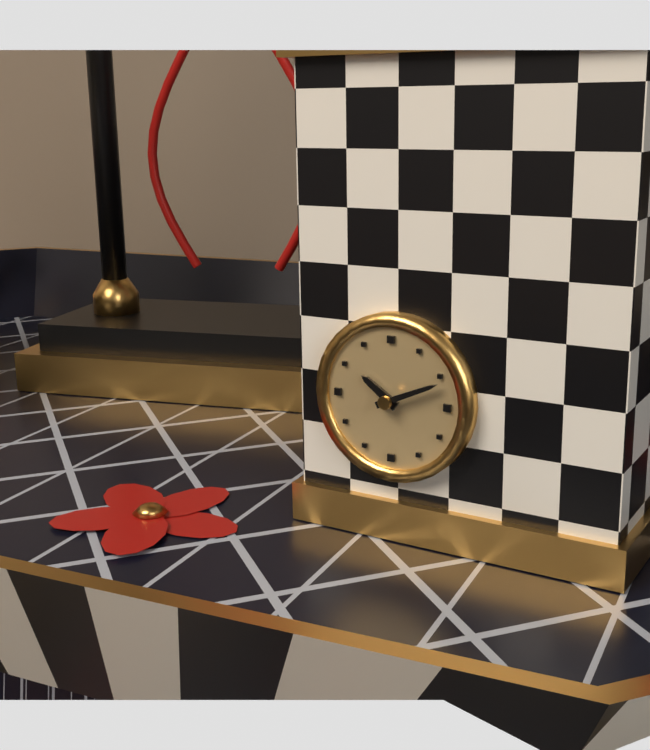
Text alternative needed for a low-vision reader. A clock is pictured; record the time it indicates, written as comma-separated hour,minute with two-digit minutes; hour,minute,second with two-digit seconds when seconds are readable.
10,11
